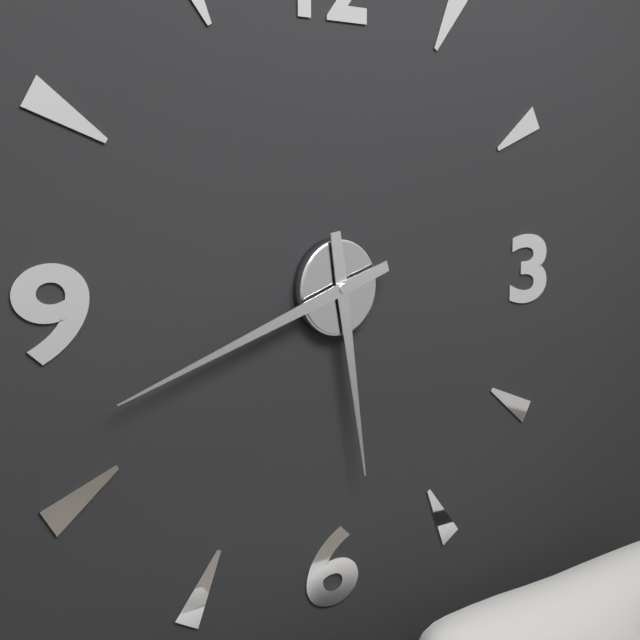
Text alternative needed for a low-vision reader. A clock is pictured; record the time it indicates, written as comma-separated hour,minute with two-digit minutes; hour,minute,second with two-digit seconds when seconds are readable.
5,42
